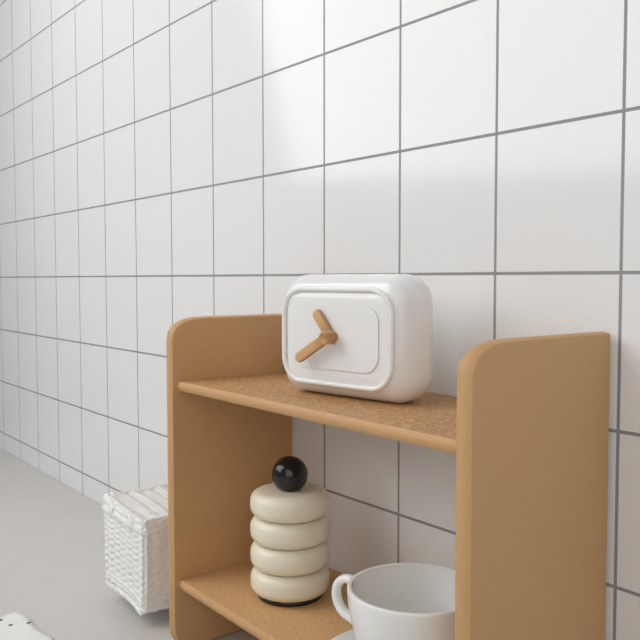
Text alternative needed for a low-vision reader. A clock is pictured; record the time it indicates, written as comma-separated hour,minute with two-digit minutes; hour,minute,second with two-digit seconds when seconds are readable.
10,40
